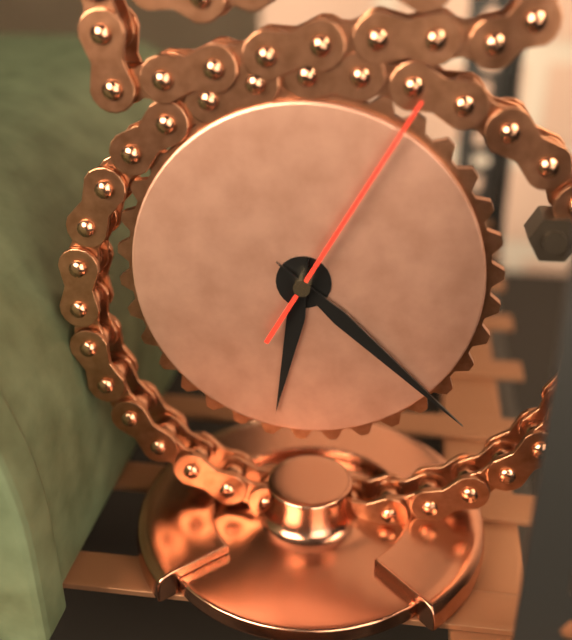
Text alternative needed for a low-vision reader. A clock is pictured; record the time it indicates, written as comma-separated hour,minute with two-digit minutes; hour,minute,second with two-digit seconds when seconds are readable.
6,22,05
